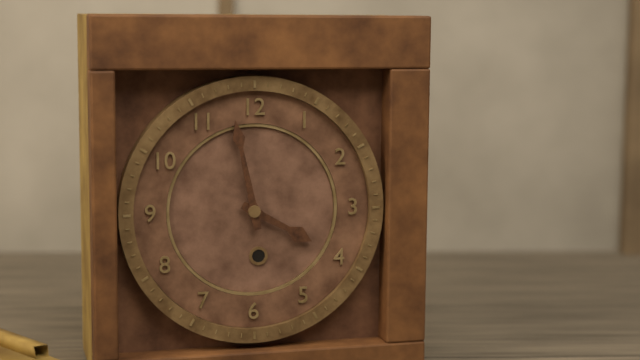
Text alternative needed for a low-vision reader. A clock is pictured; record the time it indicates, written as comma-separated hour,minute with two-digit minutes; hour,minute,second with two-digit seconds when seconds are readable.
3,58
